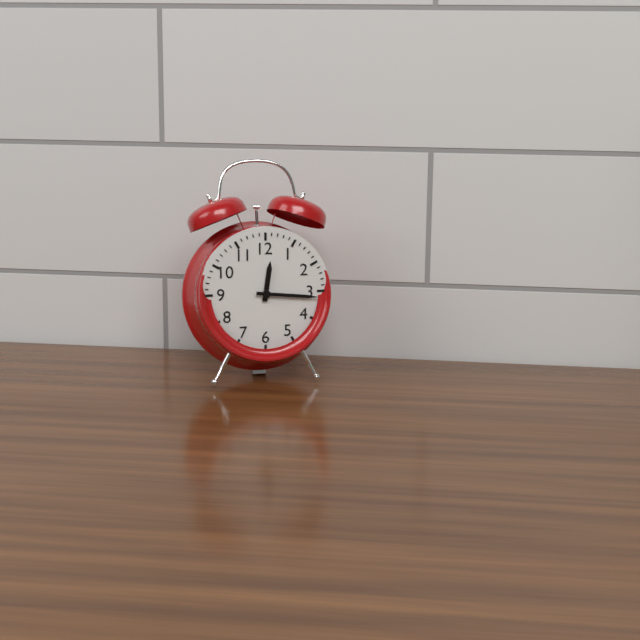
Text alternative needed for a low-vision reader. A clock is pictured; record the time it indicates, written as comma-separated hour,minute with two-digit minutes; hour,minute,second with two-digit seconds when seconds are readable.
12,16
